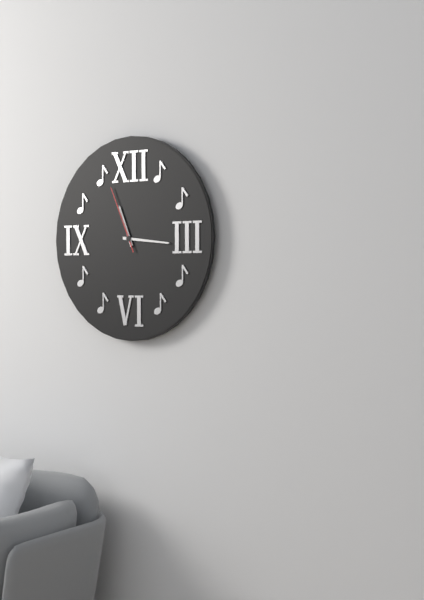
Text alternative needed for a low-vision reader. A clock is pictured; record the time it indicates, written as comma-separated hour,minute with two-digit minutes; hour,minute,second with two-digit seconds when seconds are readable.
11,16,56
